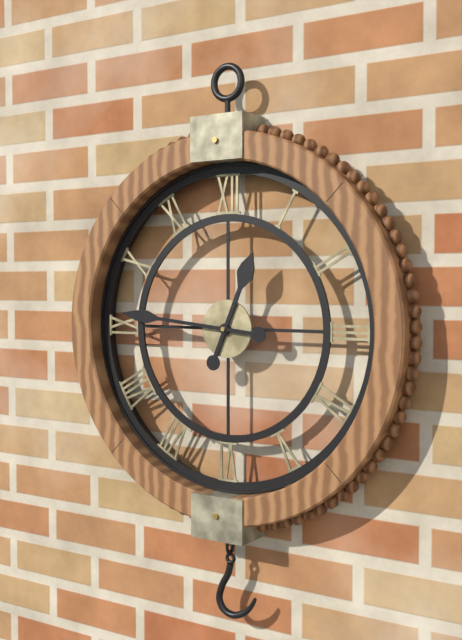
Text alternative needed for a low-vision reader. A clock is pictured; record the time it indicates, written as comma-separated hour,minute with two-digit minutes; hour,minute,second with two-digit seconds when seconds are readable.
12,46
